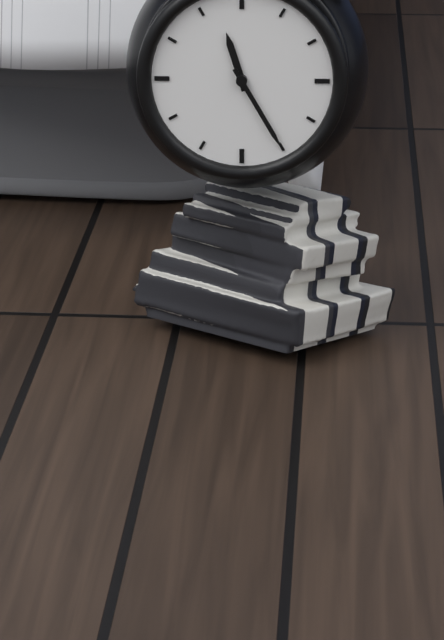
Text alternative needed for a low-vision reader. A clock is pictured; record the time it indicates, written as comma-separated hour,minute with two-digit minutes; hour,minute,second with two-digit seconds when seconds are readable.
11,25
